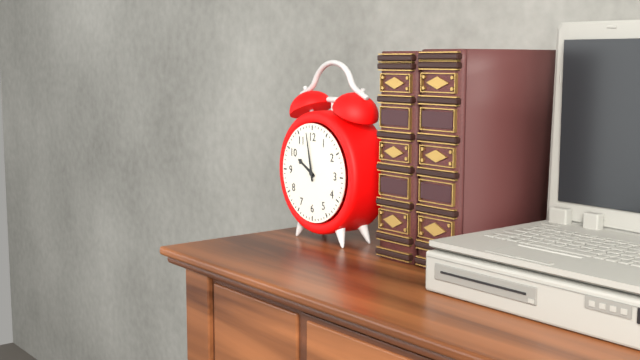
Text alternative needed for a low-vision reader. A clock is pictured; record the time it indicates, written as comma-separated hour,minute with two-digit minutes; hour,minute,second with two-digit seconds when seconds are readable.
9,58
